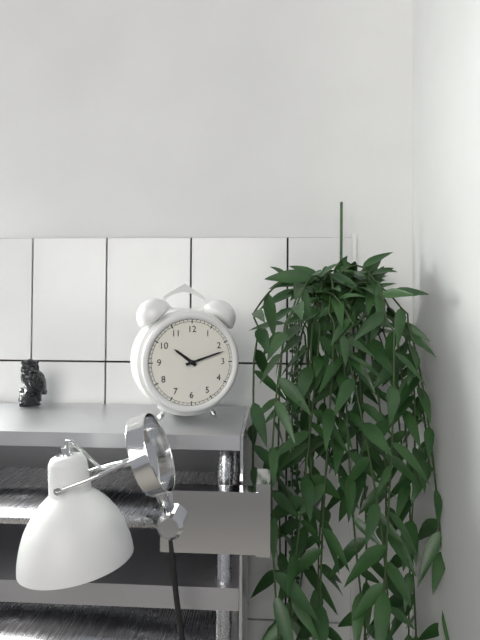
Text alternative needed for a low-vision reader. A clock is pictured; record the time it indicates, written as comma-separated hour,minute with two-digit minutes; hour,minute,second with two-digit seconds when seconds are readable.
10,12
